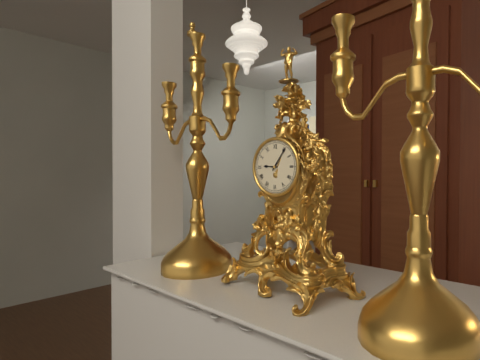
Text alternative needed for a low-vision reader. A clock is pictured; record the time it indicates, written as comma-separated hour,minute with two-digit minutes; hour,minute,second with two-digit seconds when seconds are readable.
9,06
